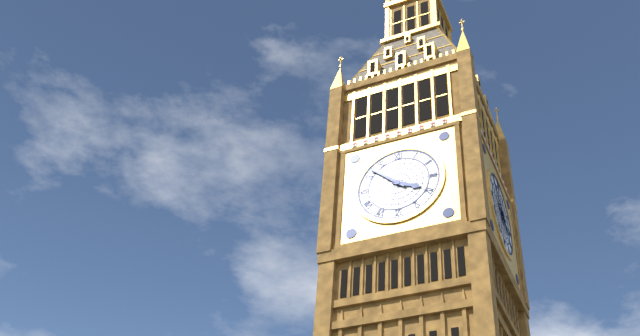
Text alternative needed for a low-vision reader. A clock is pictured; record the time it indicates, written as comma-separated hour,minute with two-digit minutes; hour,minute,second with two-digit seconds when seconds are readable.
3,52
